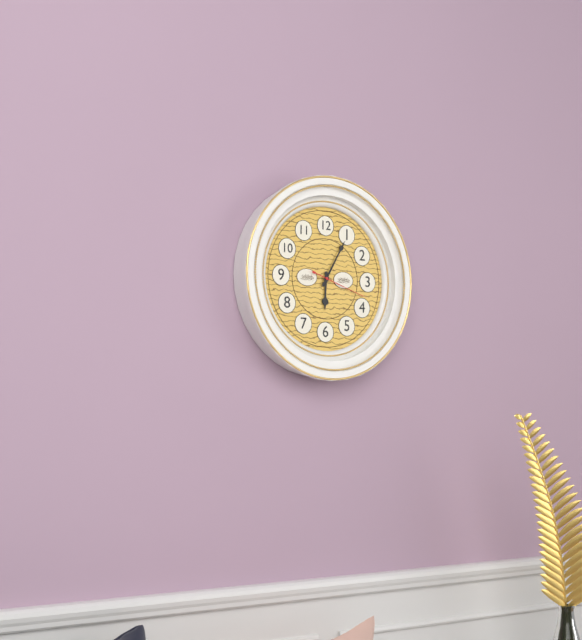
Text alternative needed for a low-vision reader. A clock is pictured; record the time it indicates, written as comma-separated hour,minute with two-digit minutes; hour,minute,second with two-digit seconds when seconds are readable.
6,05,18
